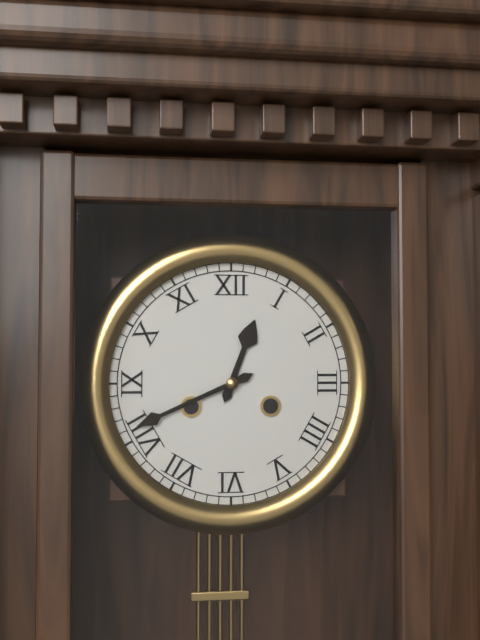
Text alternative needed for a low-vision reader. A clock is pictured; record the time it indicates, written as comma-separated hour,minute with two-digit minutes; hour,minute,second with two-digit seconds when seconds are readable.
12,41
